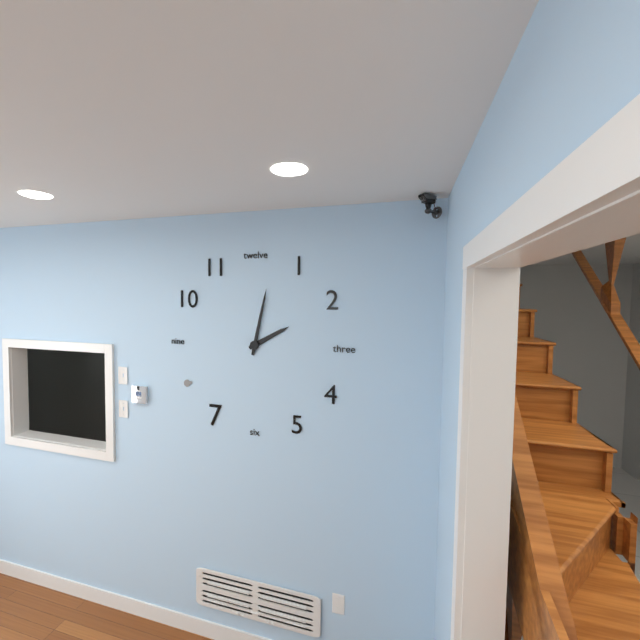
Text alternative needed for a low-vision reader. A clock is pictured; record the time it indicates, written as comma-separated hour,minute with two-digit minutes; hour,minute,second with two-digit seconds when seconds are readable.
2,02
